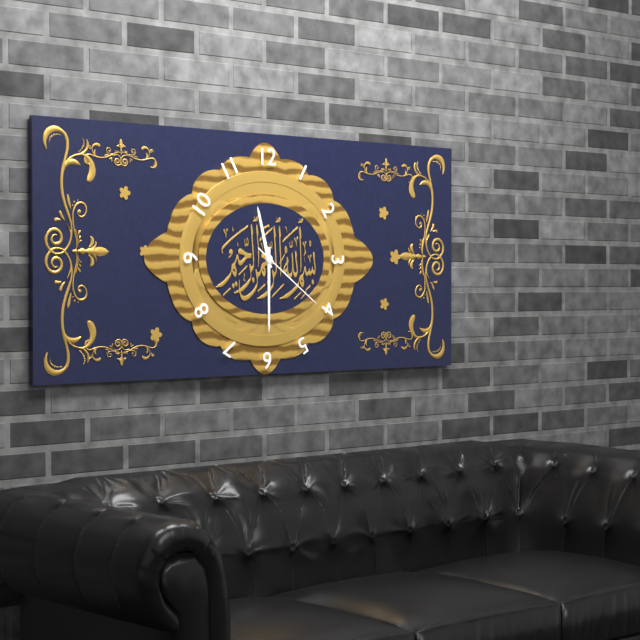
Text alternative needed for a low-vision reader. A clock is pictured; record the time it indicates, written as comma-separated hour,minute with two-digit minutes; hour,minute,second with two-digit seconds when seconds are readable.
11,30,21
